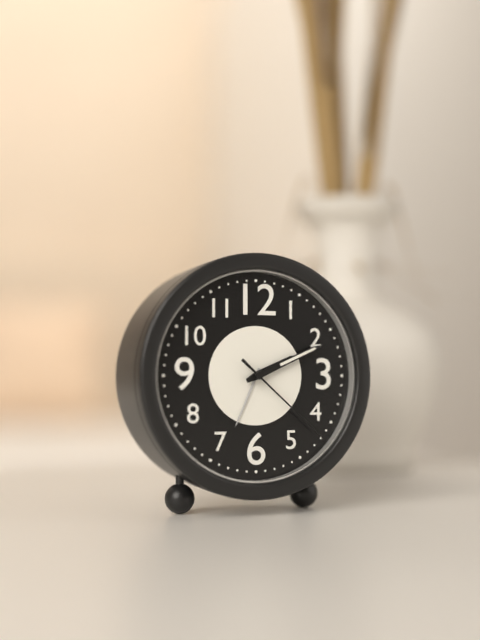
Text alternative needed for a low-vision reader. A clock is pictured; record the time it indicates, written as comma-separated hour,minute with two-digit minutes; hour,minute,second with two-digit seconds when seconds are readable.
2,11,22
